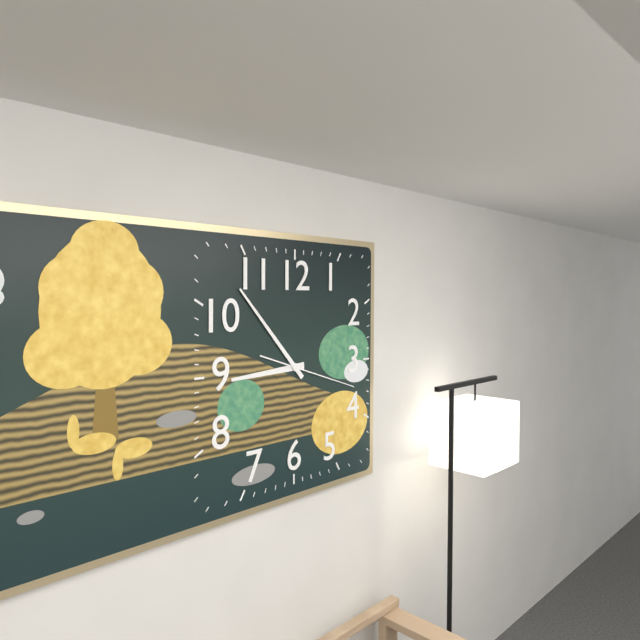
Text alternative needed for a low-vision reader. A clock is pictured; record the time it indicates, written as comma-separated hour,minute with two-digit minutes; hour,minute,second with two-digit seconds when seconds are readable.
8,53,18
